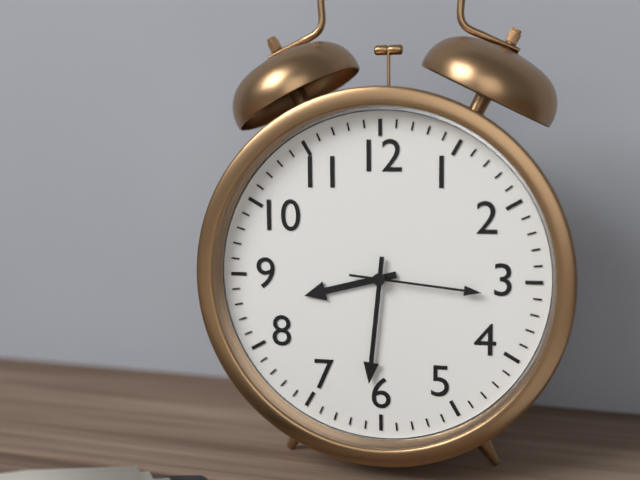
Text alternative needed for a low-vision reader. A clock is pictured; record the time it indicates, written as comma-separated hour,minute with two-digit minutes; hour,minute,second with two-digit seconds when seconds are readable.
8,31,16
